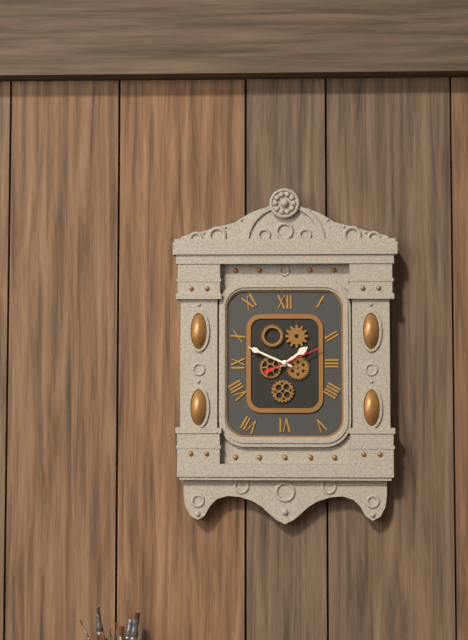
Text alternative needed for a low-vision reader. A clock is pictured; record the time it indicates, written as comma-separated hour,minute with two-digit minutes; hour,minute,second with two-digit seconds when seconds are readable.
1,49
